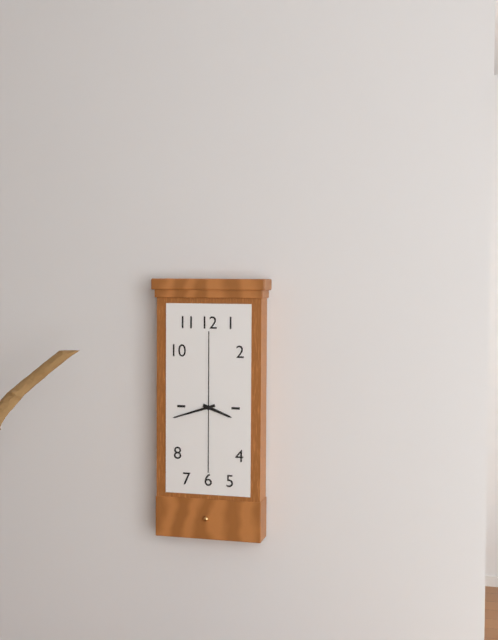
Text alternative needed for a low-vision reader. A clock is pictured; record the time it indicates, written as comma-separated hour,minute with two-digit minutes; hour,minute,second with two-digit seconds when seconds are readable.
3,42
